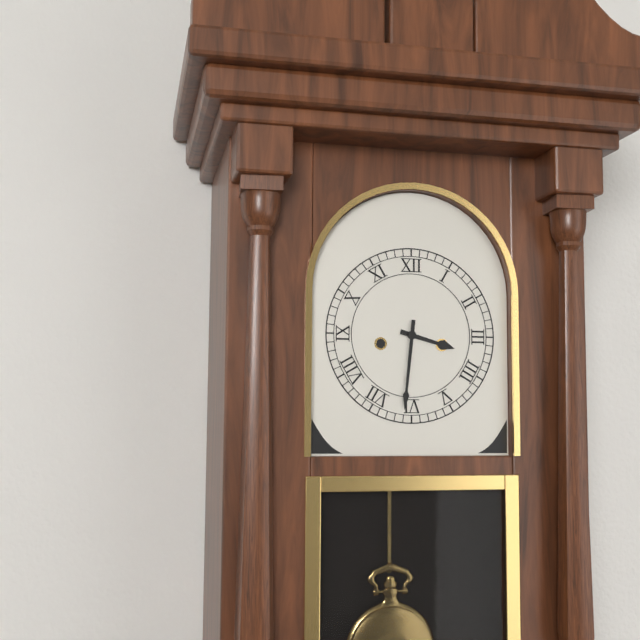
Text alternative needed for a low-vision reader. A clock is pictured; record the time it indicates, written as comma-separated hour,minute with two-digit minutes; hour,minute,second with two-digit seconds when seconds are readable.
3,31
